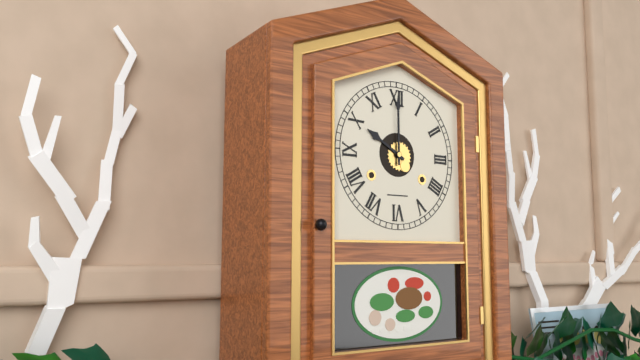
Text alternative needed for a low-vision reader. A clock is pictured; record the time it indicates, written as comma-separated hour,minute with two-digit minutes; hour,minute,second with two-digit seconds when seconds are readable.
10,00
